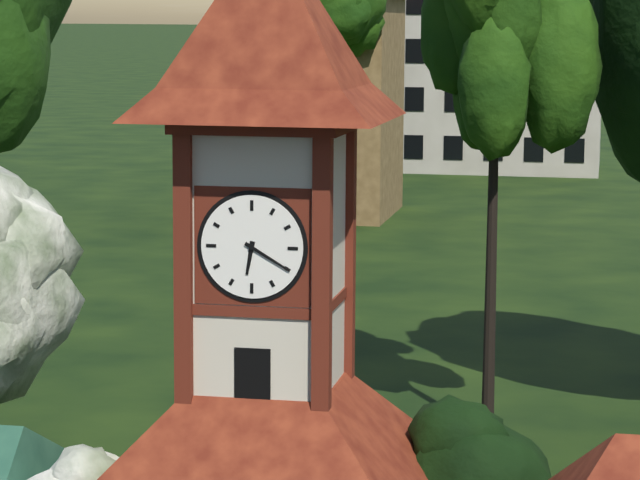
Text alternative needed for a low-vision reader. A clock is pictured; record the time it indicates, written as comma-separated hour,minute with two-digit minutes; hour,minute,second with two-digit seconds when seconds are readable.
6,20
